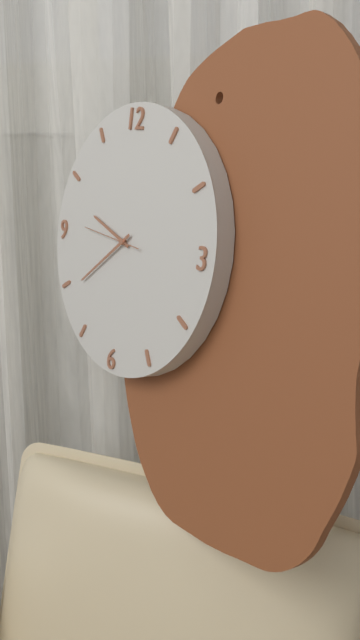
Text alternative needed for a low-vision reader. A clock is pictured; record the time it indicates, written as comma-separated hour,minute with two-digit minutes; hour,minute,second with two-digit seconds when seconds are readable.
9,39,46
